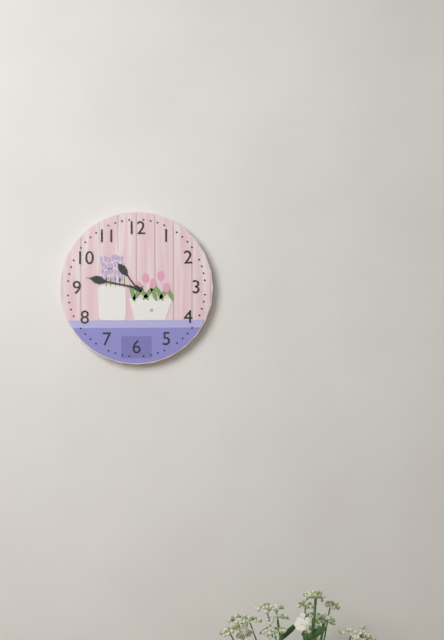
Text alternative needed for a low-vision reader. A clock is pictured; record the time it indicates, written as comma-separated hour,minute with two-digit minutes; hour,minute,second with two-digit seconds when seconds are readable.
10,47
